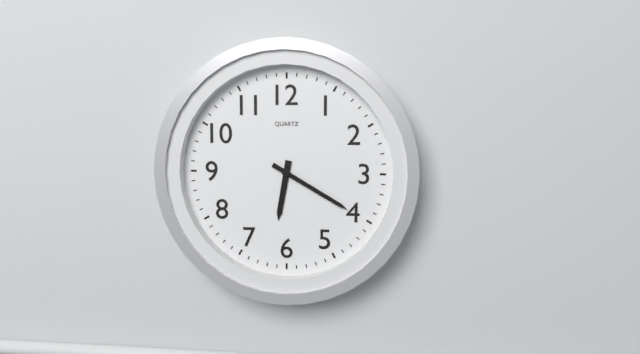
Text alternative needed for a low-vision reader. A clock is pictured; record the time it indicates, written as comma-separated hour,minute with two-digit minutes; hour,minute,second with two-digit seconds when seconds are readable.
6,20
